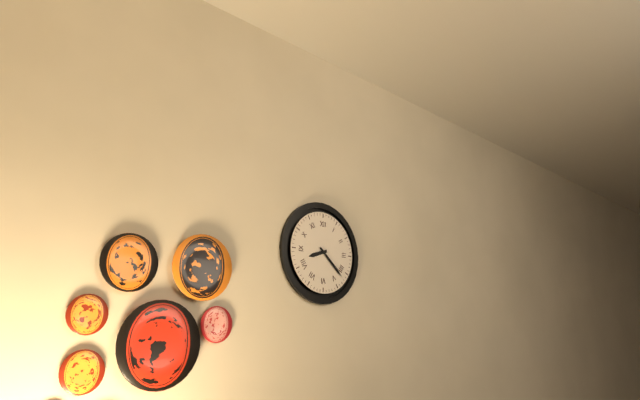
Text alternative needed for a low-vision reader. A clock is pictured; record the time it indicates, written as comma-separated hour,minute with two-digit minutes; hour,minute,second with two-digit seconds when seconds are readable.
8,22
